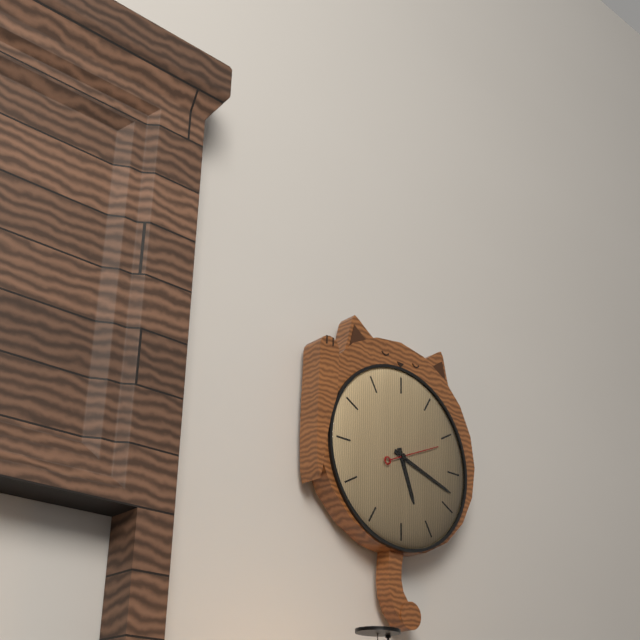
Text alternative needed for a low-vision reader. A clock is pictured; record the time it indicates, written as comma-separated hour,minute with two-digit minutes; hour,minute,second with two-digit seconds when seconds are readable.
5,18
